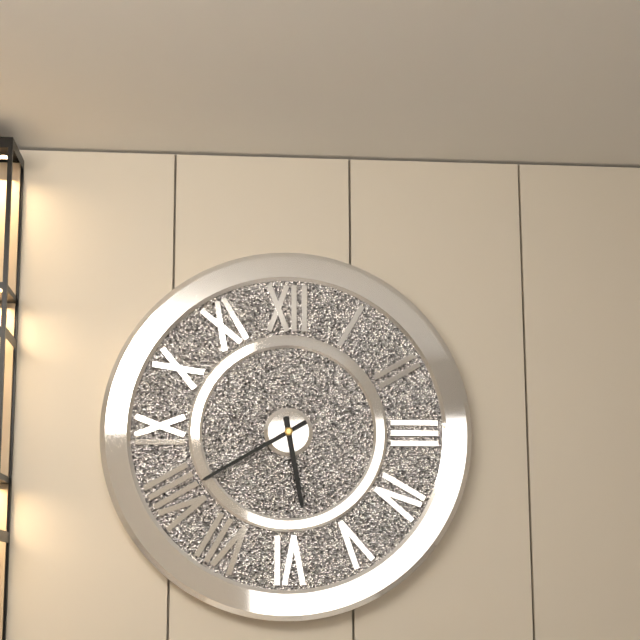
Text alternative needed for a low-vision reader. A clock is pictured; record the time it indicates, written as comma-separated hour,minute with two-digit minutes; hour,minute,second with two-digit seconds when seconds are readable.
5,40
